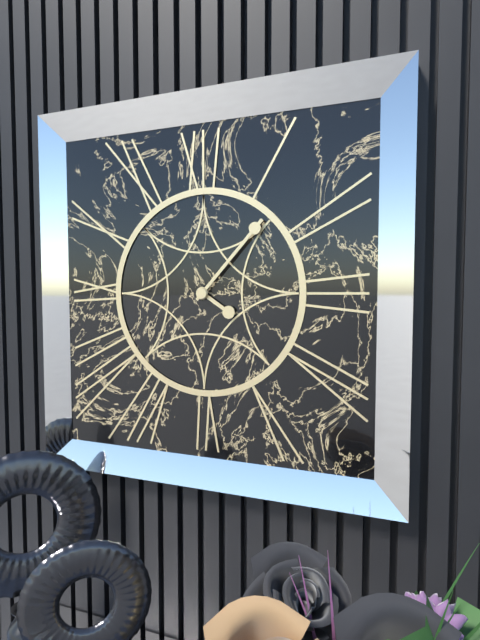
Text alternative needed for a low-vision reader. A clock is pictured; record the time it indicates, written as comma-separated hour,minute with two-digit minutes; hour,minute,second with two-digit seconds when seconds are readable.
4,07
